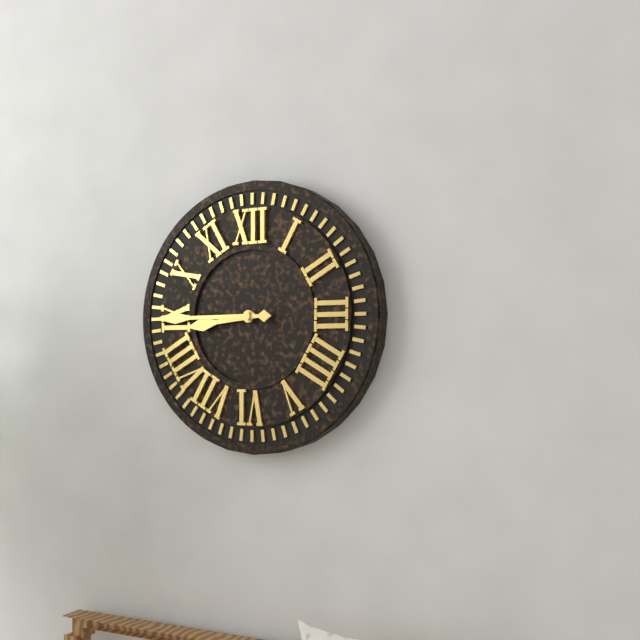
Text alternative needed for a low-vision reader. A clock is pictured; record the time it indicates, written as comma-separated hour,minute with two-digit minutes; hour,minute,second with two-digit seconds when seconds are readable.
8,45
